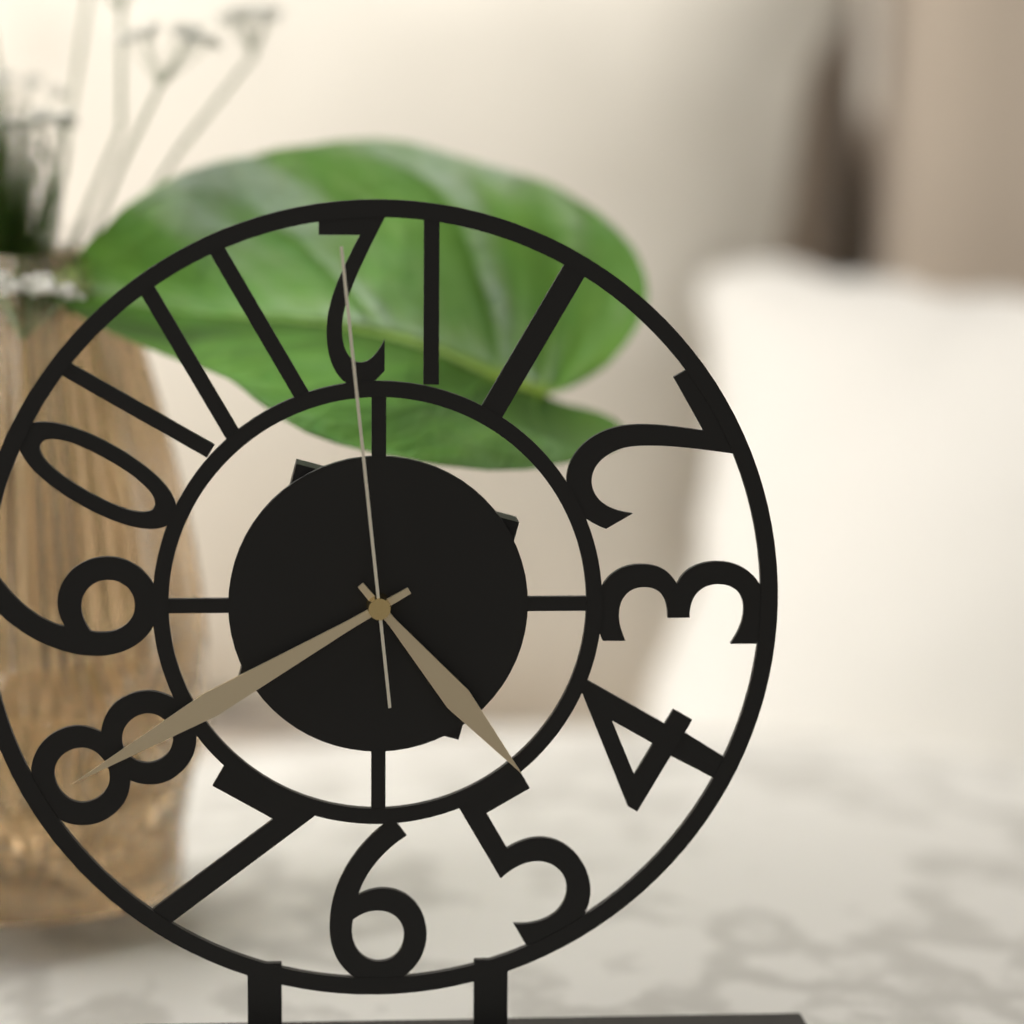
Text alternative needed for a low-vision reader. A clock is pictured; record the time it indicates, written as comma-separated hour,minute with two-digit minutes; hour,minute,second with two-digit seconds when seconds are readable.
4,40,59
